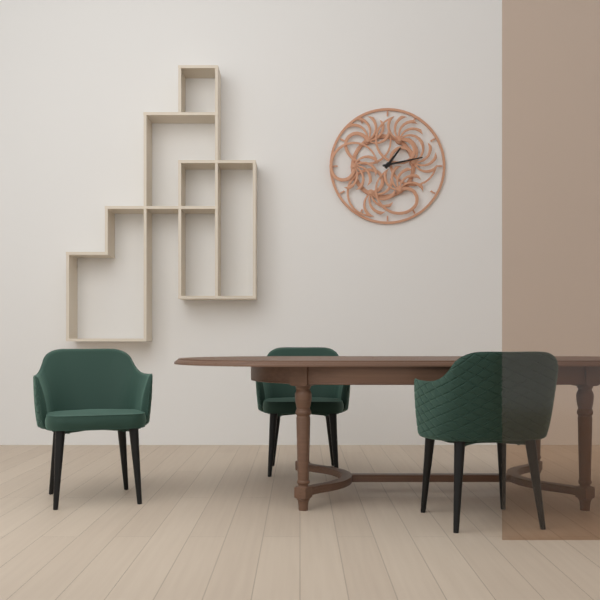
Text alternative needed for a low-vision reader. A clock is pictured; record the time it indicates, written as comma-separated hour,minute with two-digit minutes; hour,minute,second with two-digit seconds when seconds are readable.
1,13
